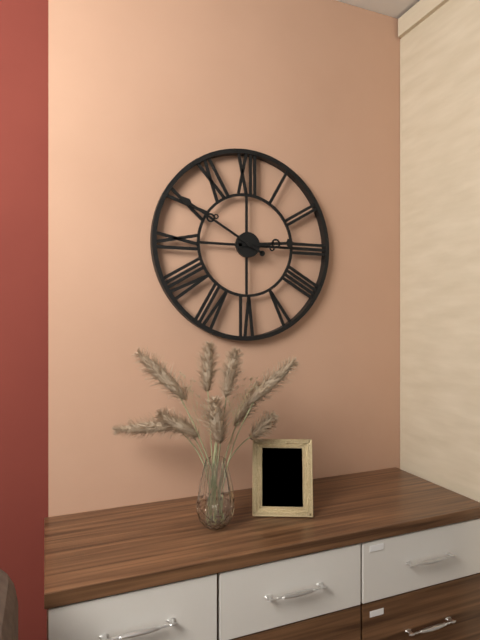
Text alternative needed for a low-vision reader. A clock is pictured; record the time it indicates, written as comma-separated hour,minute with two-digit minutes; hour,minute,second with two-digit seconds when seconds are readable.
2,50
